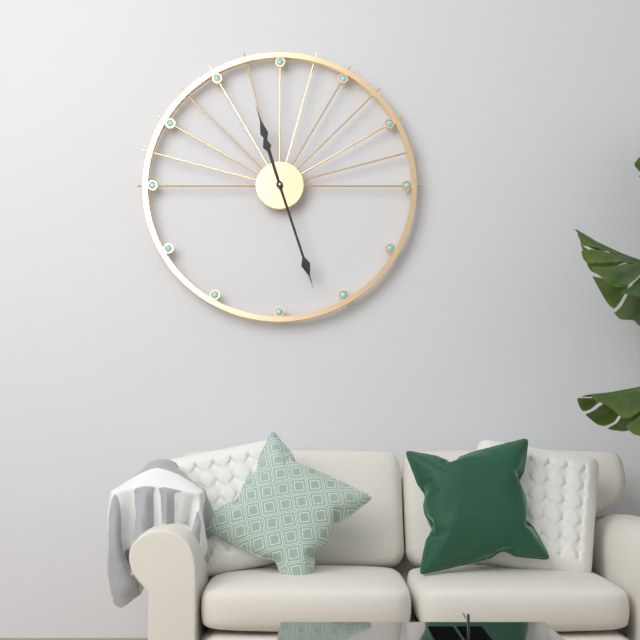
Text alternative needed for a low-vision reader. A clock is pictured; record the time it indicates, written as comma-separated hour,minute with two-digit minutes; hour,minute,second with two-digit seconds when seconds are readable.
11,27
